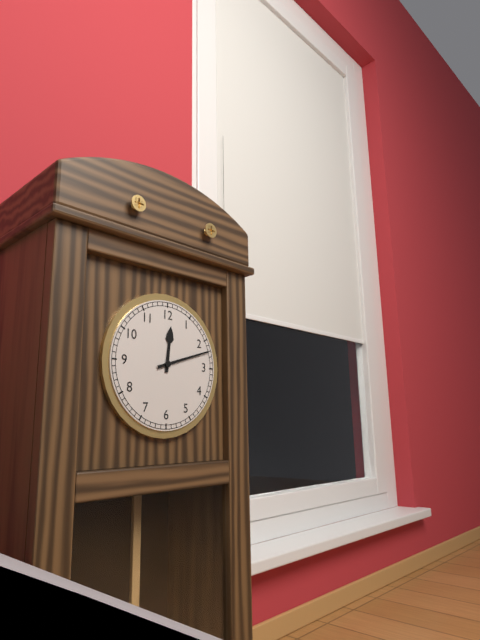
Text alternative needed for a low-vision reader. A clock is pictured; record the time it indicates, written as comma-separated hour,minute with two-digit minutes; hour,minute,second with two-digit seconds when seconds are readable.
12,12
